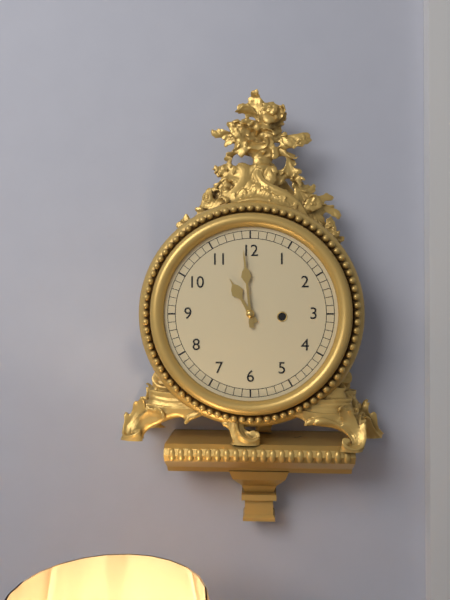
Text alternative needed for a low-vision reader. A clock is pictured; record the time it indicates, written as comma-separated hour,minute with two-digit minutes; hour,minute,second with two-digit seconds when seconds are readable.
10,59
